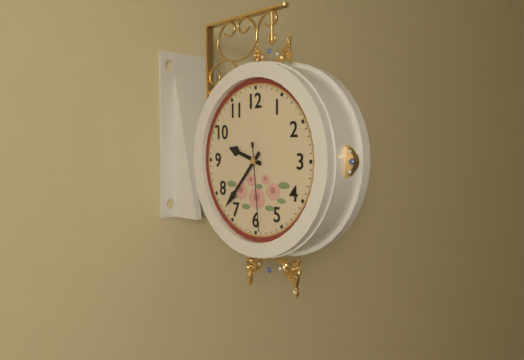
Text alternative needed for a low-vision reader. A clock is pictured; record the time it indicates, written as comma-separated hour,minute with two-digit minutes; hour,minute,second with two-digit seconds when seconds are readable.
9,37,29
